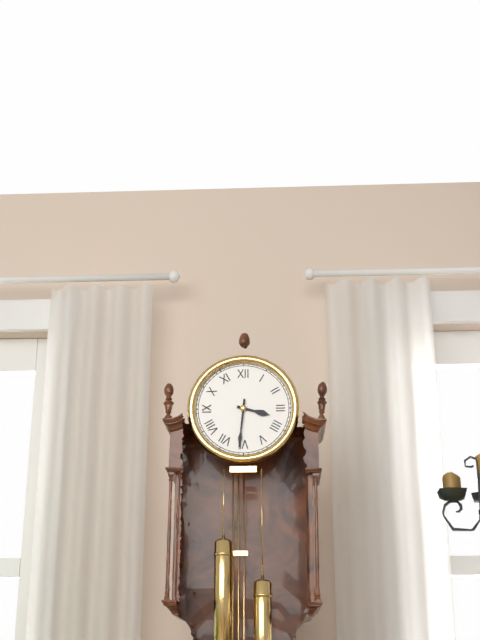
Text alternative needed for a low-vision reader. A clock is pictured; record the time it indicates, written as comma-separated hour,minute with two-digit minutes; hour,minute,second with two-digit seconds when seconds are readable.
3,31
